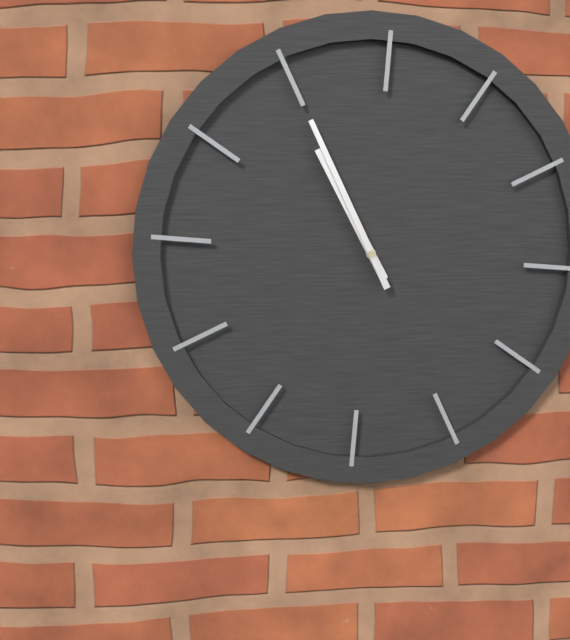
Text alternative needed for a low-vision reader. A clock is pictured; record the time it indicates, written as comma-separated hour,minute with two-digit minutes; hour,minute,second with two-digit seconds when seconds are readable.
10,55
